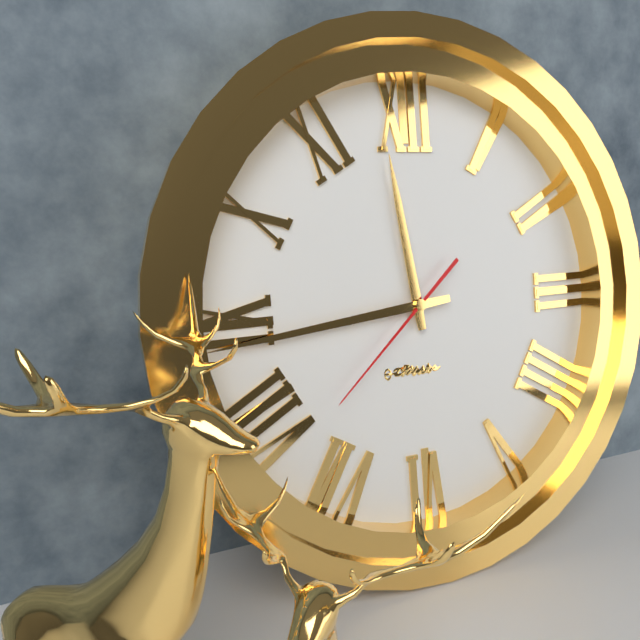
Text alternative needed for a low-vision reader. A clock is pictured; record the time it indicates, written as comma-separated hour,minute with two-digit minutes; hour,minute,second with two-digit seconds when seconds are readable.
11,44,38
